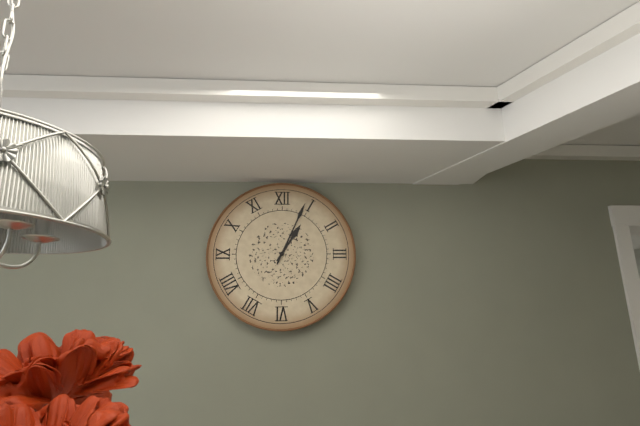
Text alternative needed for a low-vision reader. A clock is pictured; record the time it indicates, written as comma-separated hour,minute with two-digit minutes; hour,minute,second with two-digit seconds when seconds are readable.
1,04
